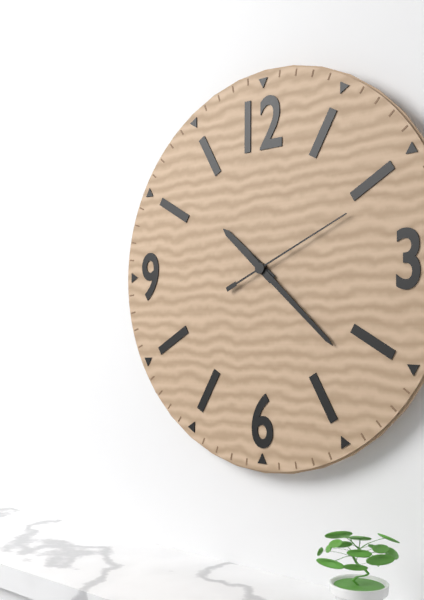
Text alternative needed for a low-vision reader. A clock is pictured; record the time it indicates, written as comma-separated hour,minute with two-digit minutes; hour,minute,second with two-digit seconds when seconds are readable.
10,22,11
